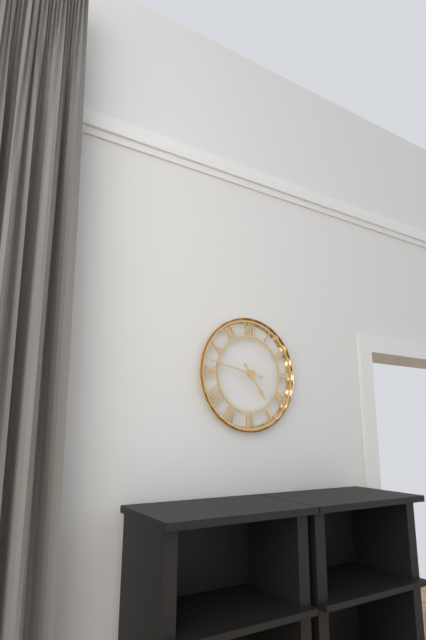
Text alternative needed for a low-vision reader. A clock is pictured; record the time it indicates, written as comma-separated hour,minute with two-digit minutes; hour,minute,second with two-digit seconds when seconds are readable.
4,47
